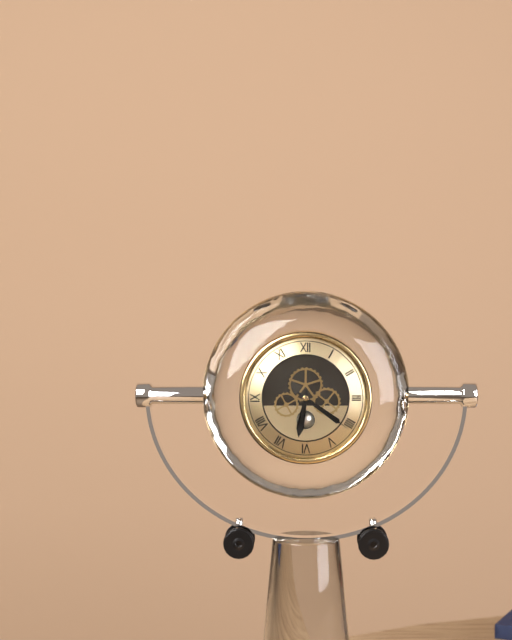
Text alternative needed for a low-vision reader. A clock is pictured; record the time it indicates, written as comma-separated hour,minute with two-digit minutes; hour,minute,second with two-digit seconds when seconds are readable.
6,21
